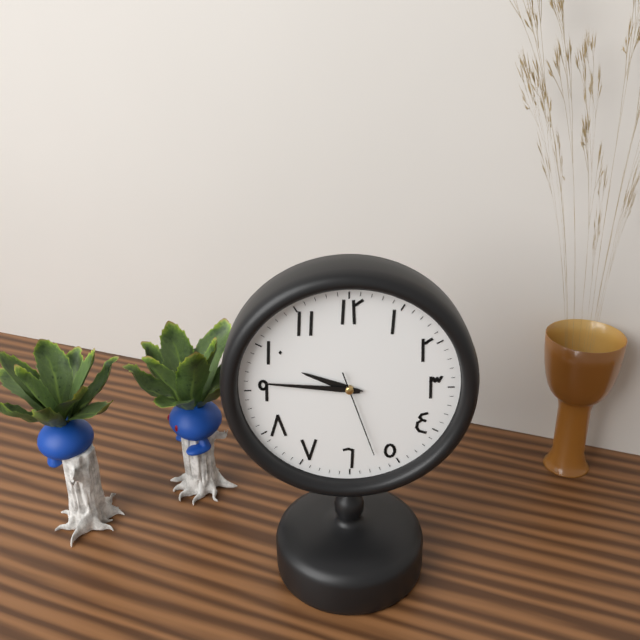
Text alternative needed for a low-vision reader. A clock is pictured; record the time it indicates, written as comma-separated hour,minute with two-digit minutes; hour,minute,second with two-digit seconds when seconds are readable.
9,46,27
